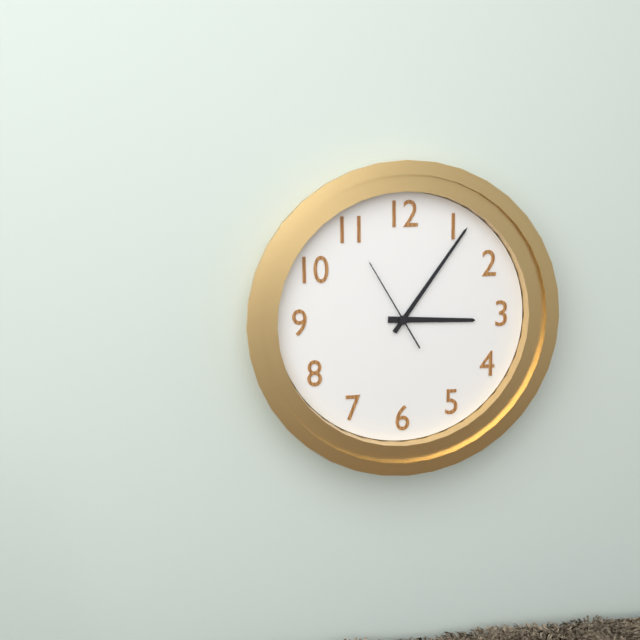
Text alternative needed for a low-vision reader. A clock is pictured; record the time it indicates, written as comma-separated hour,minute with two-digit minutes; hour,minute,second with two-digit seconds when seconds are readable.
3,06,55
